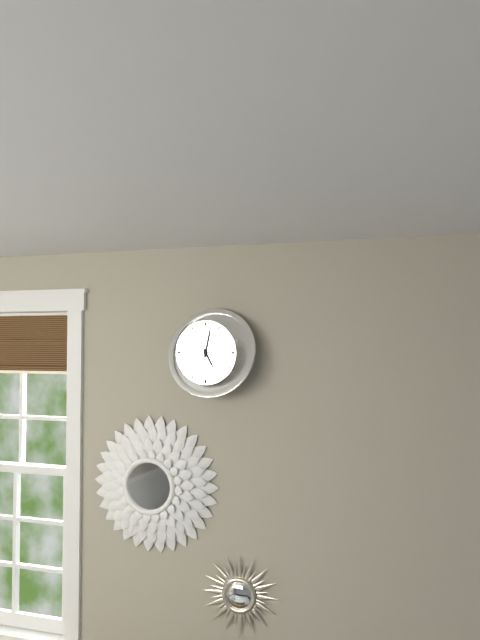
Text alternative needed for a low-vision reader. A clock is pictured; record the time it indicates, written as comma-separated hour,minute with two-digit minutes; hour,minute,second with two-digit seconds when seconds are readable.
5,02
